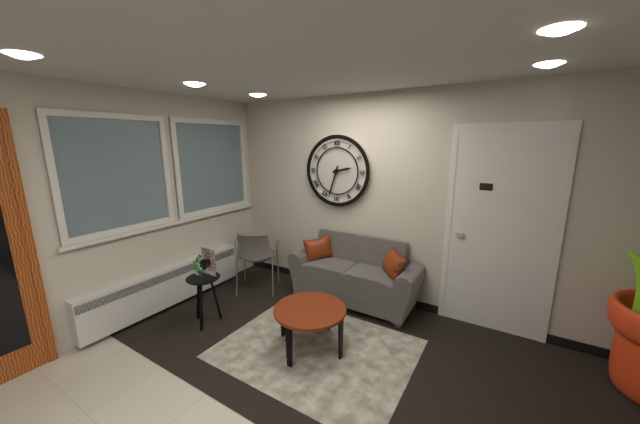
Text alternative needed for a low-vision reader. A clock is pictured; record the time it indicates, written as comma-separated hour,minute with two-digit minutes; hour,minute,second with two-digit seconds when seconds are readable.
2,33
